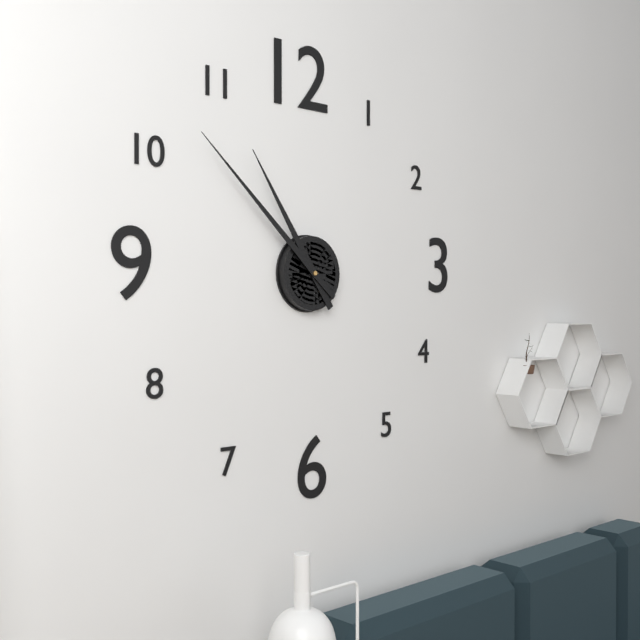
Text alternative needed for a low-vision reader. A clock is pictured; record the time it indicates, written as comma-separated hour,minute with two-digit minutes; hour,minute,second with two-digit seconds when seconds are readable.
10,52
